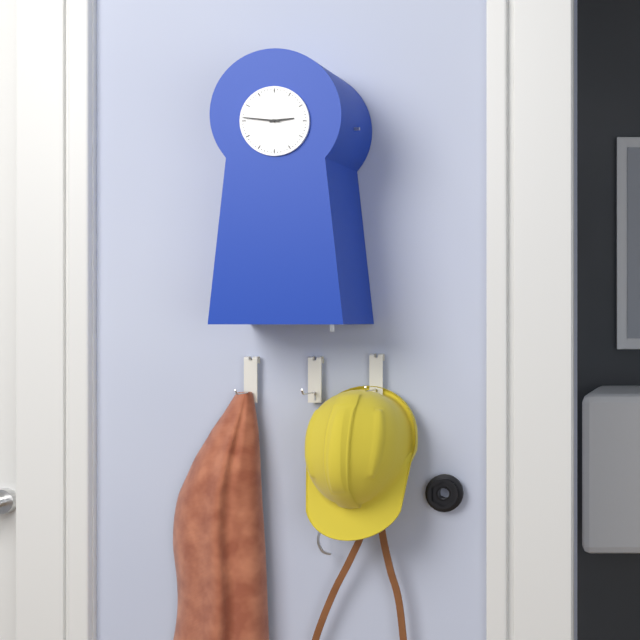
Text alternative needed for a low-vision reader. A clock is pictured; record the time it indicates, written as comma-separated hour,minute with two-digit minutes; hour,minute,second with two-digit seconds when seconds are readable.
2,46
